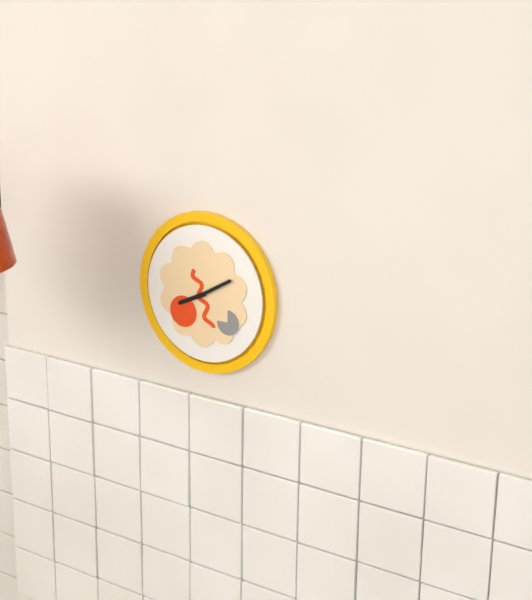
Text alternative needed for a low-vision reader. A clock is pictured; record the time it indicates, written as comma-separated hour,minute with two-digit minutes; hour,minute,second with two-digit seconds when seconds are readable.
8,10
